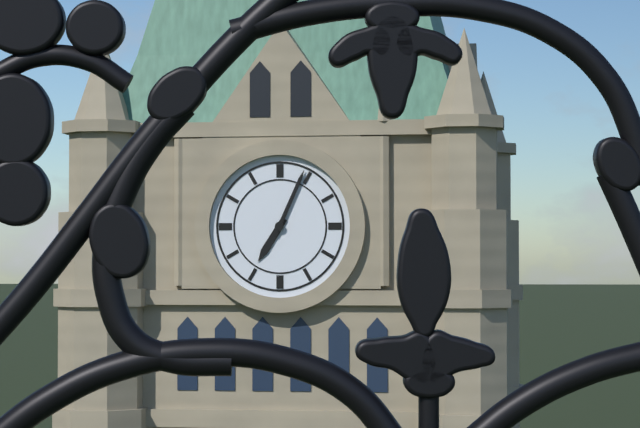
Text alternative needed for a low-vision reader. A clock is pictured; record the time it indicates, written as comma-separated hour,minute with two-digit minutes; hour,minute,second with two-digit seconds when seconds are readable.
7,04
